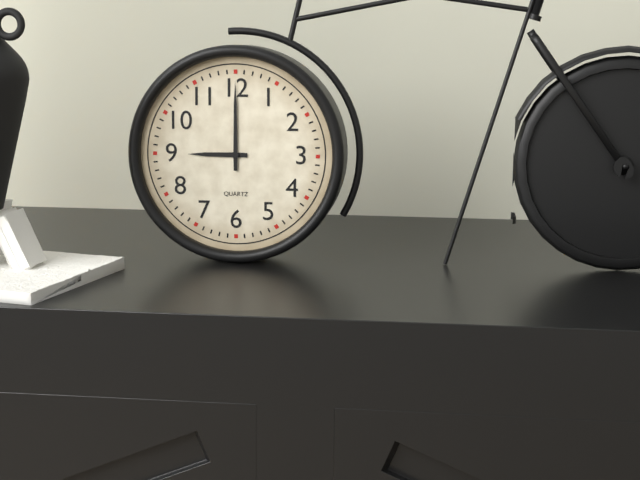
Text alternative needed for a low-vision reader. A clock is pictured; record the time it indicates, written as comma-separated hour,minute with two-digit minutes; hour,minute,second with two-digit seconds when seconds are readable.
9,00
